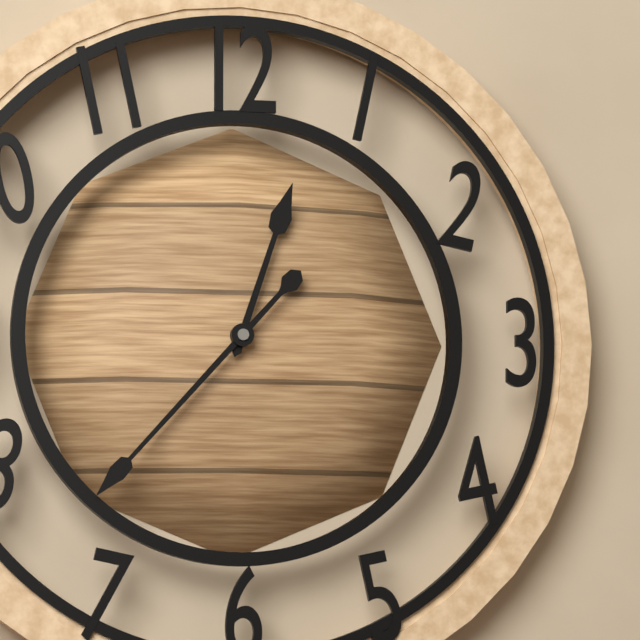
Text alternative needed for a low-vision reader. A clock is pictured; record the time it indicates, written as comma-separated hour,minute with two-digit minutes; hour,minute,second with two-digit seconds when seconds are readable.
12,37
